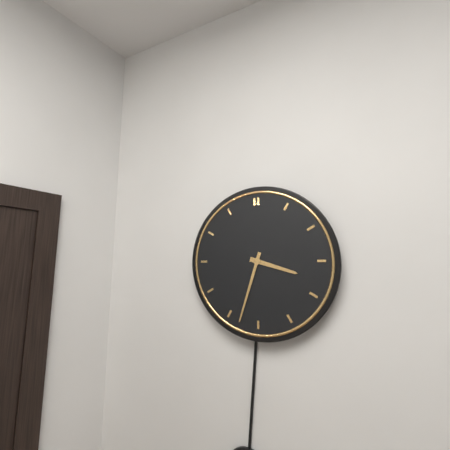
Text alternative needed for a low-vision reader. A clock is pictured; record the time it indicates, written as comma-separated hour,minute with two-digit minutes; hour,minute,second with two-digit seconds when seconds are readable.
3,33
